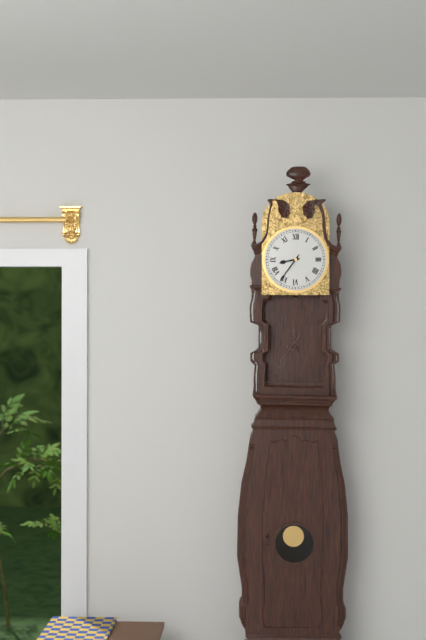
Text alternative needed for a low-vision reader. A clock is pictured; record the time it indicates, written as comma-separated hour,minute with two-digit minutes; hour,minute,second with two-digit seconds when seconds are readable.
8,36
